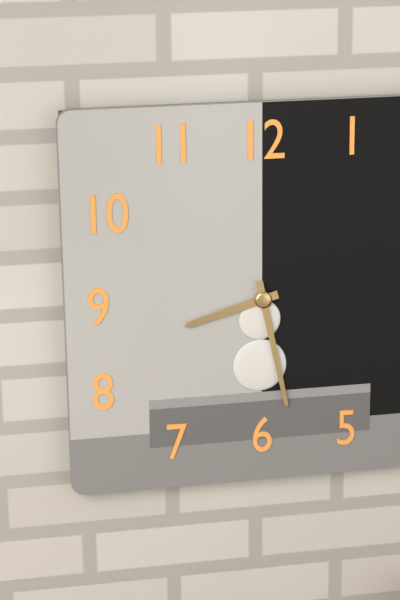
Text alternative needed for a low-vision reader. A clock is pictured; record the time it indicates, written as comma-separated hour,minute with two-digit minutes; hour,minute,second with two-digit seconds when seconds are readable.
8,28
